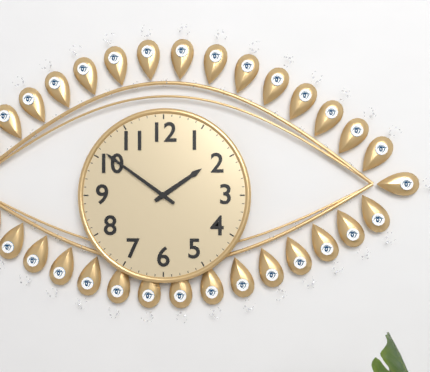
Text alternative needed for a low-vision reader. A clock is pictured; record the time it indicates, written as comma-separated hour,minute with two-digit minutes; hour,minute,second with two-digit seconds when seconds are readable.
1,51
